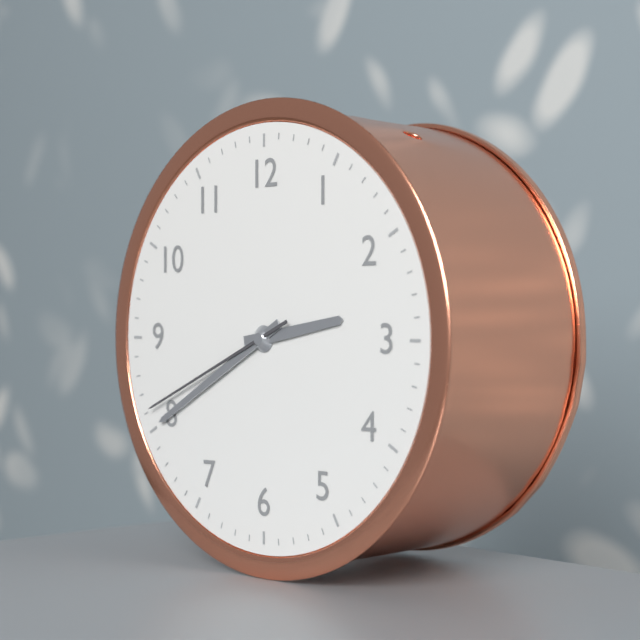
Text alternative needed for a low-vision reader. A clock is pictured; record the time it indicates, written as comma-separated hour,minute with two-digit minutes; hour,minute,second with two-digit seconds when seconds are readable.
2,40,41
